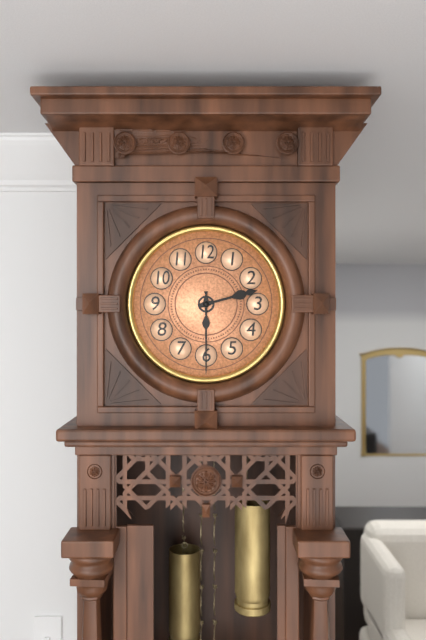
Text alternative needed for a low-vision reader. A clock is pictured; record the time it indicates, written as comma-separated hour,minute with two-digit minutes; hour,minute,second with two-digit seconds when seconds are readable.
2,30
